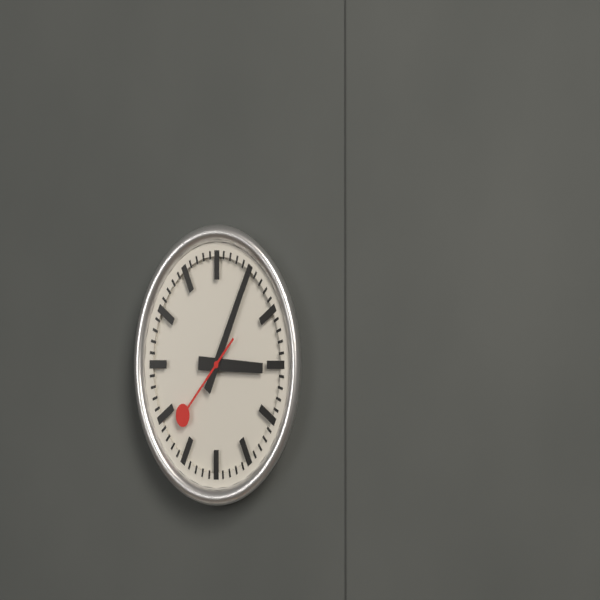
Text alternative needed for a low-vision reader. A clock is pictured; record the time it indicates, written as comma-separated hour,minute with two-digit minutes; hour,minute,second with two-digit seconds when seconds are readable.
3,05,38
